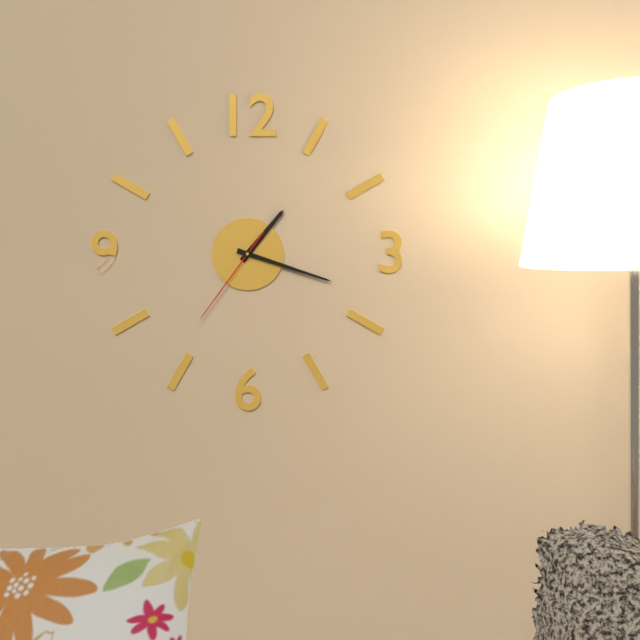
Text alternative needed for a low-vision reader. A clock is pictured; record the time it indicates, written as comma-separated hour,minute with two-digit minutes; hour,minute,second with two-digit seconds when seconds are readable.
1,18,36
